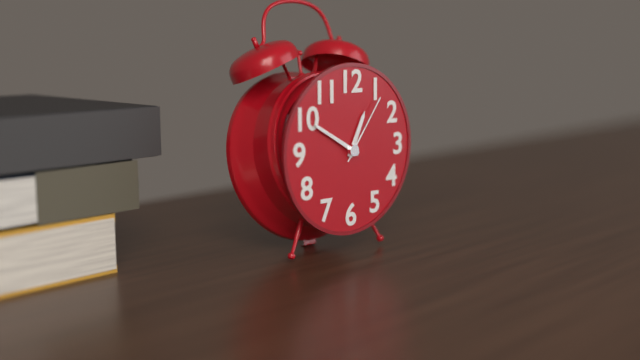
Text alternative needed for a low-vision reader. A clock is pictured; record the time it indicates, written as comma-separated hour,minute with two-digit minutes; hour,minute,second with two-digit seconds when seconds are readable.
12,50,06
